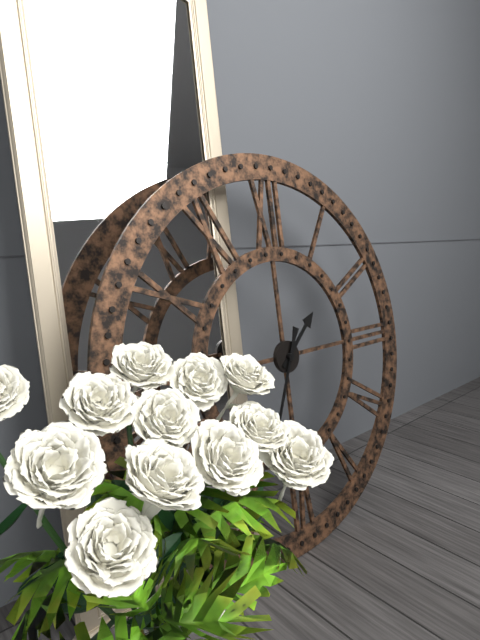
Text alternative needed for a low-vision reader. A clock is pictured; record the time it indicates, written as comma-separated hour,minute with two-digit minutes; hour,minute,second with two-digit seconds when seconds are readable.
1,34
